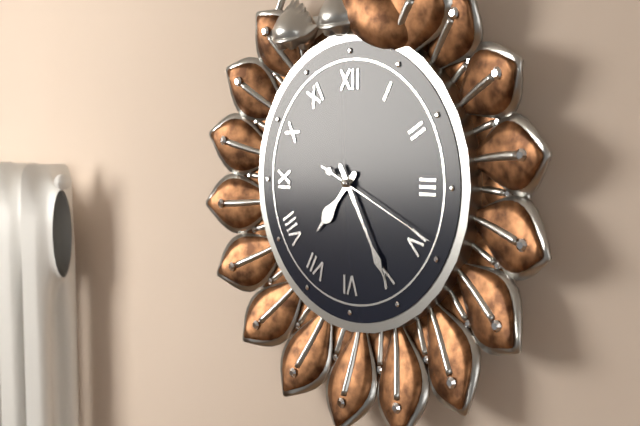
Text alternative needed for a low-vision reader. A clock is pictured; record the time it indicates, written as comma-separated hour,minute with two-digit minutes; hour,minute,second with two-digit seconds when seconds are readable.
7,25,19
